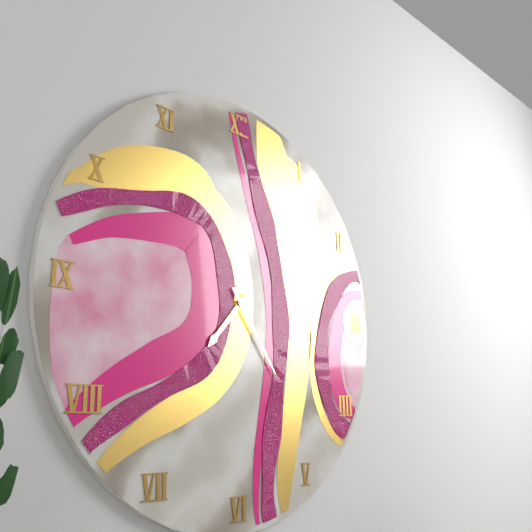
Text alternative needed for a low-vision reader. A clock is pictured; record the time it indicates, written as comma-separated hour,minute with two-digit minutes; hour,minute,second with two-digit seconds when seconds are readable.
7,24
